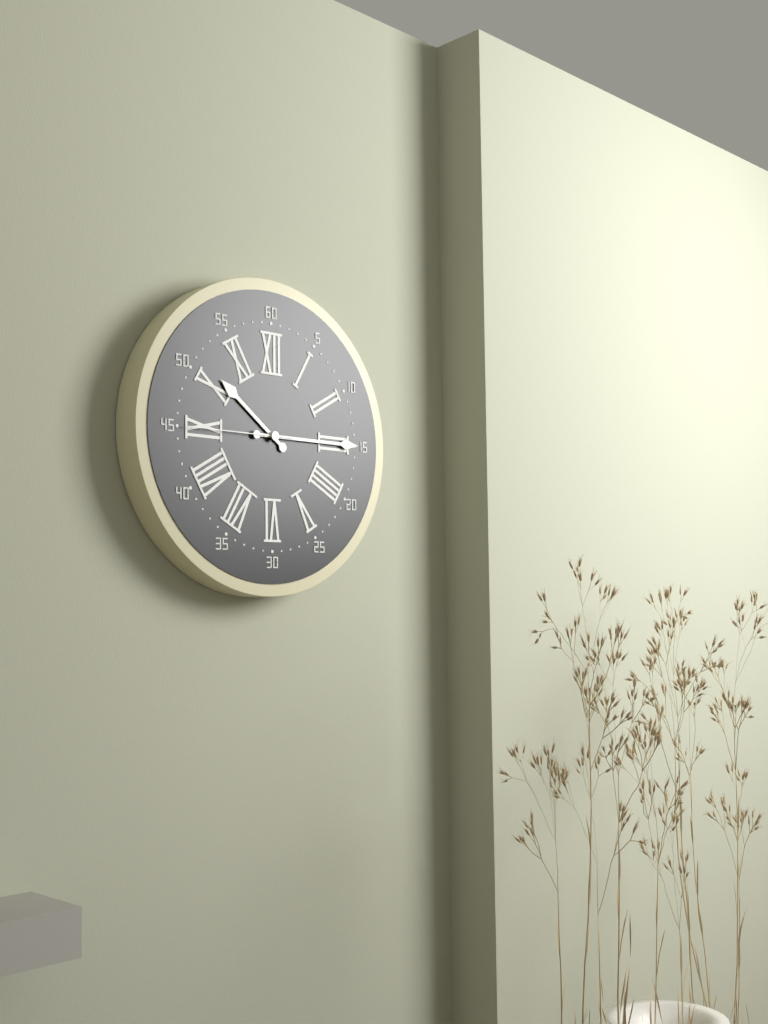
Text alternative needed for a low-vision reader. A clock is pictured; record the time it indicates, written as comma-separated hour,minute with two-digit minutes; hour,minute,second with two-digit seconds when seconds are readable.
10,15,45
